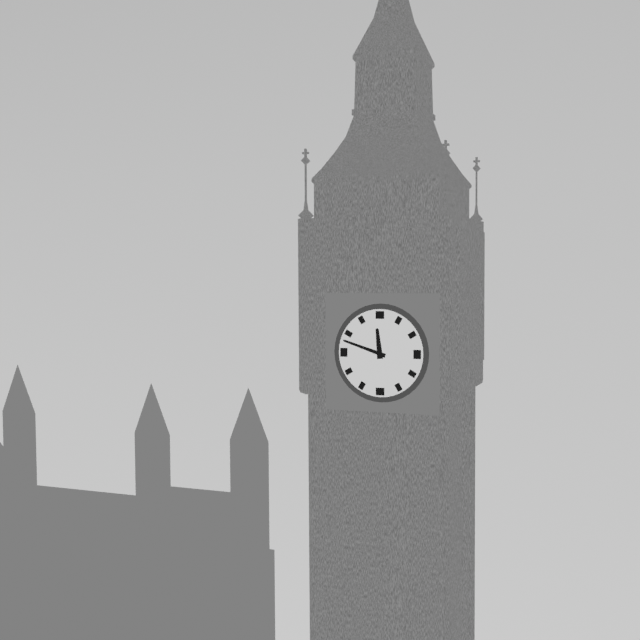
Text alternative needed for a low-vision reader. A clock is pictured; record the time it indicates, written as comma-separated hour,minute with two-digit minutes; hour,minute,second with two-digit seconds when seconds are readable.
11,48
